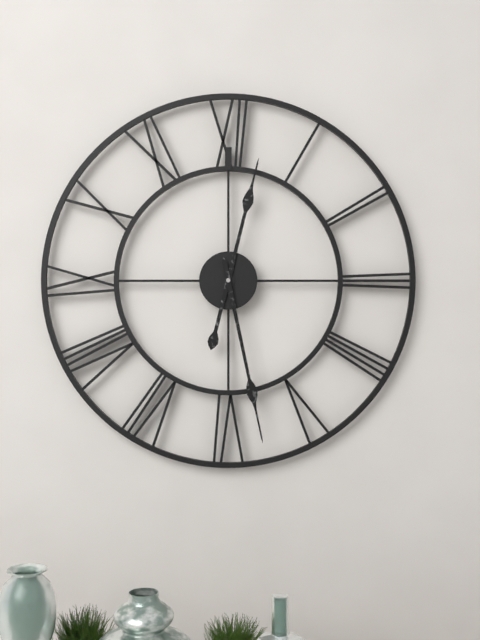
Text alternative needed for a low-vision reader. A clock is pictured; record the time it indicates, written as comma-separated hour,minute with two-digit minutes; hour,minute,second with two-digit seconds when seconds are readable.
12,28
